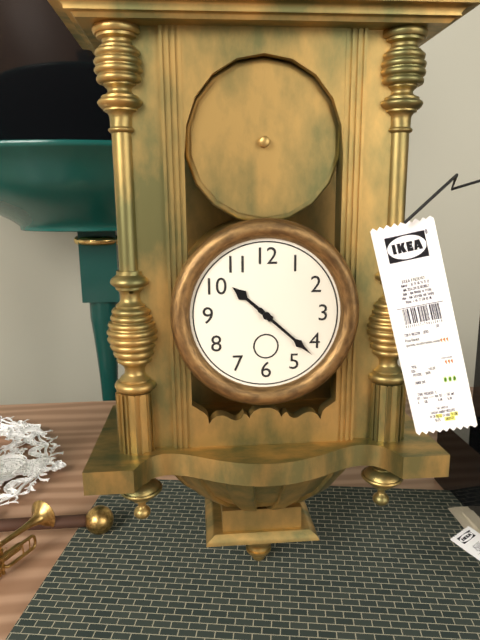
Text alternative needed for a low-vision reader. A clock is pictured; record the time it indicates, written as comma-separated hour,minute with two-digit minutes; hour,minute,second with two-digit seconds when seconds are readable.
10,22
